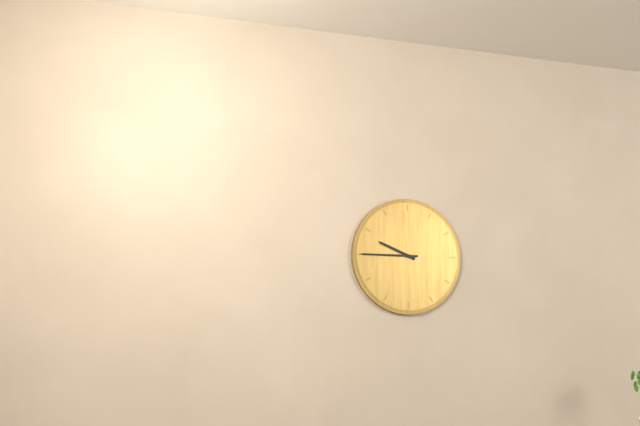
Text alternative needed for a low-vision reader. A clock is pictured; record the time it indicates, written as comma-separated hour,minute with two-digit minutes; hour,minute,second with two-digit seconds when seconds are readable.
9,45
